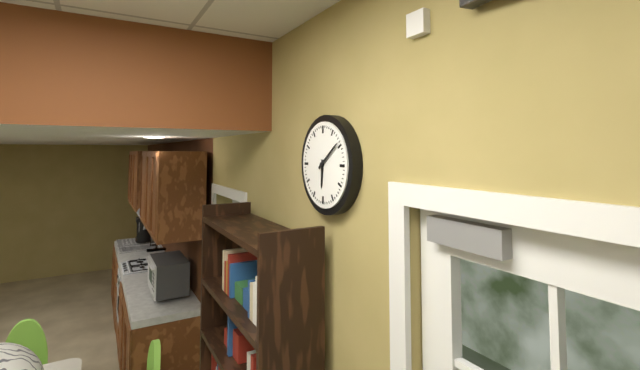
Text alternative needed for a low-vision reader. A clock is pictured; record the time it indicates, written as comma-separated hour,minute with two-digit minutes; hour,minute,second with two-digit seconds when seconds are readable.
6,09
